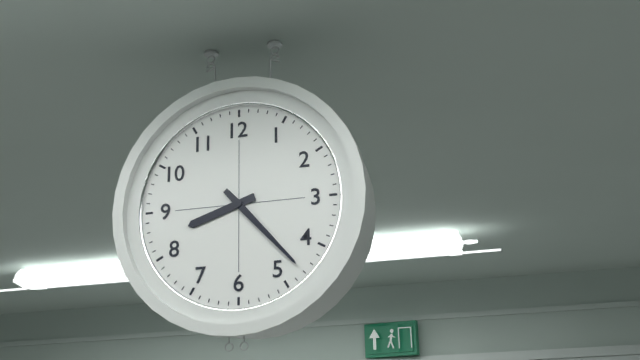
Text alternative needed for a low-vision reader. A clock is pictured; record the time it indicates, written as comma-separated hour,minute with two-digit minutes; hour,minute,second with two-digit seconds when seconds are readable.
8,23
